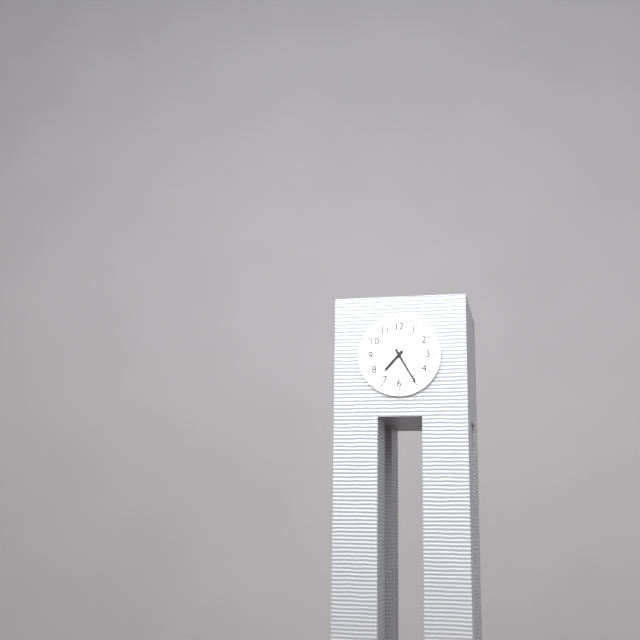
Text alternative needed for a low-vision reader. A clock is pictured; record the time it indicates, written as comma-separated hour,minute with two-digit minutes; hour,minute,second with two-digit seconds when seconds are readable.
7,25
